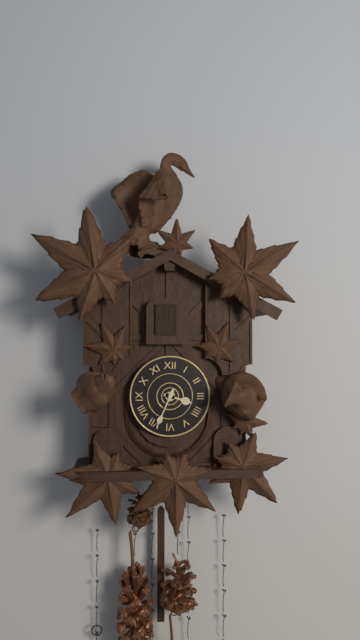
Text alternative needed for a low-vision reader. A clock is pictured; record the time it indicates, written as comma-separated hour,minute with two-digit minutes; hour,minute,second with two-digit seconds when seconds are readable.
3,34
